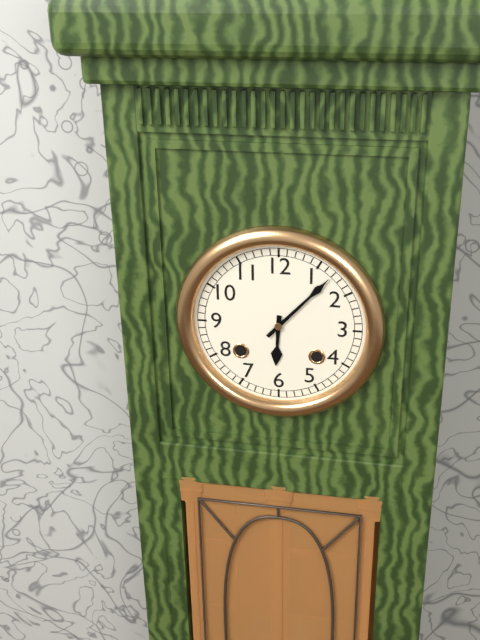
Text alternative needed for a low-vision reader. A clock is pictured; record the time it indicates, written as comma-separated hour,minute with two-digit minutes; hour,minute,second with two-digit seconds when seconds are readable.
6,07
